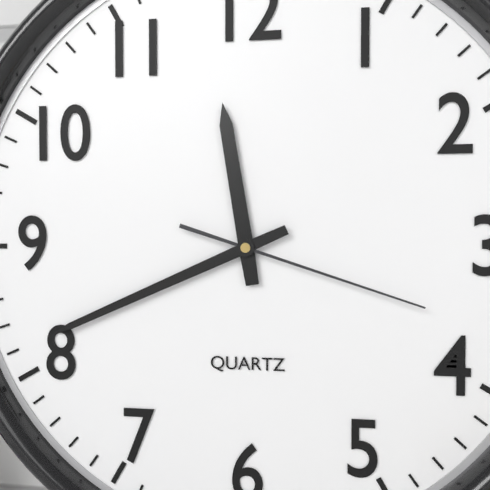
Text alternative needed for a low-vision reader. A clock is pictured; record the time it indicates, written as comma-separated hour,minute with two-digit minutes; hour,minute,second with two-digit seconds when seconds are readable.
11,41,18
